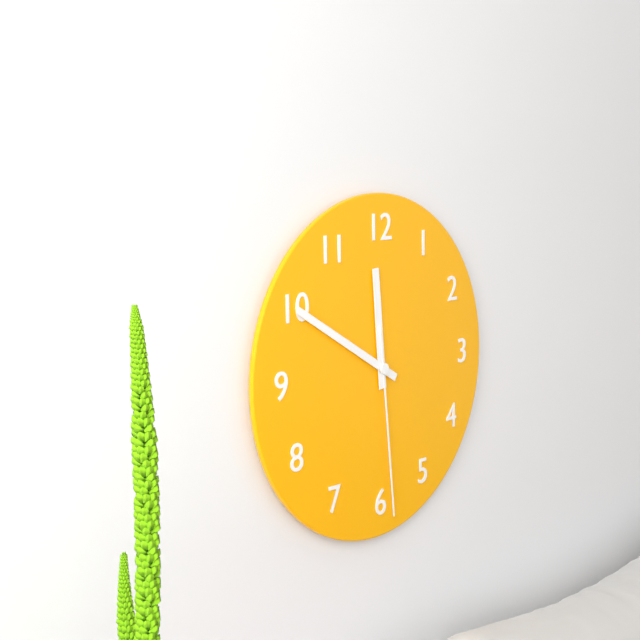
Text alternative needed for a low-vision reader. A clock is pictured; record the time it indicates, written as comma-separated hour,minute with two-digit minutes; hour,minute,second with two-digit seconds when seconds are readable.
11,50,29
